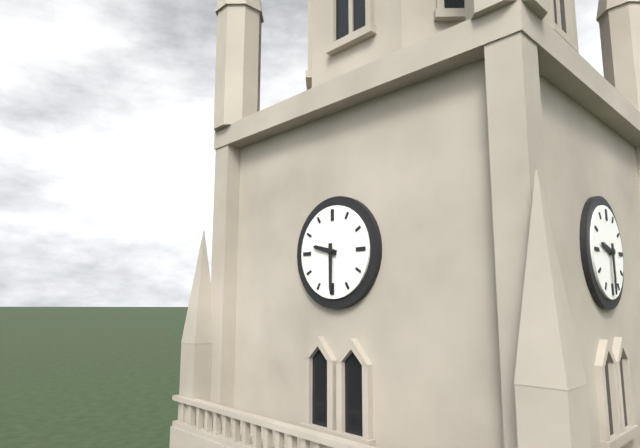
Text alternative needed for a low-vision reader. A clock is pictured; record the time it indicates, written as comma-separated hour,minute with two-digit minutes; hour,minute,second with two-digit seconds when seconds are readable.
9,30
